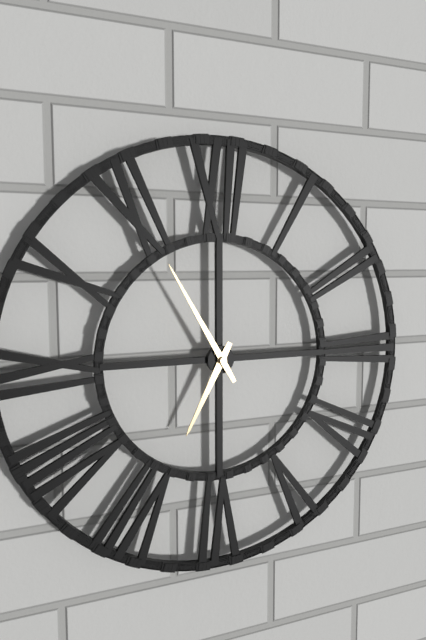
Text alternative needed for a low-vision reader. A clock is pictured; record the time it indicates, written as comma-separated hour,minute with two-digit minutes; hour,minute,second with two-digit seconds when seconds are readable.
6,55
